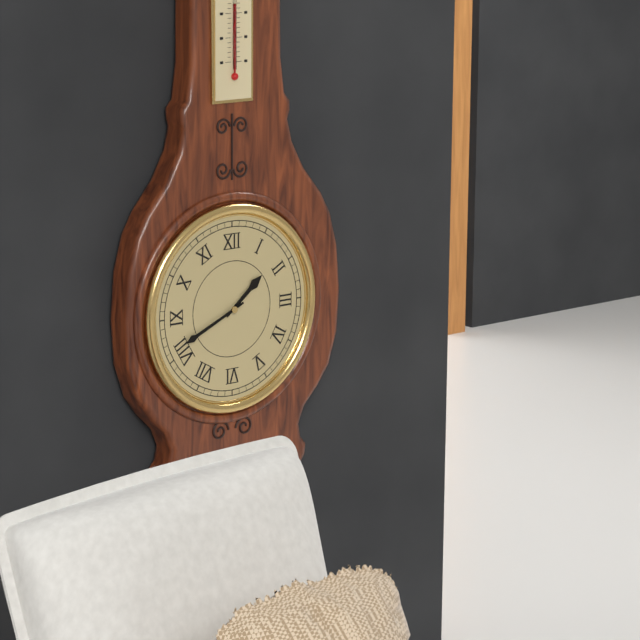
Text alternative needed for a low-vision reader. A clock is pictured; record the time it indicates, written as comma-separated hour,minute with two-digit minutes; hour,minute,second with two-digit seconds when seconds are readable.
1,41
